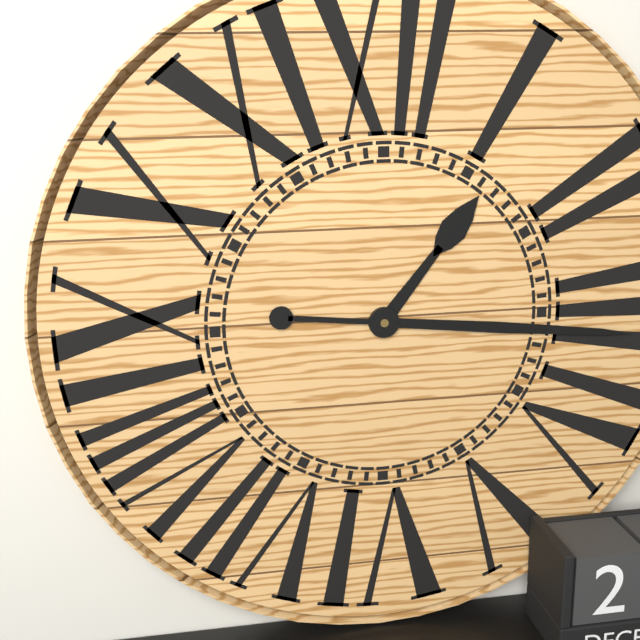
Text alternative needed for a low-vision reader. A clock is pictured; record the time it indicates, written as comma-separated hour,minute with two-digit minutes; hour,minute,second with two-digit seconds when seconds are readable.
1,16
